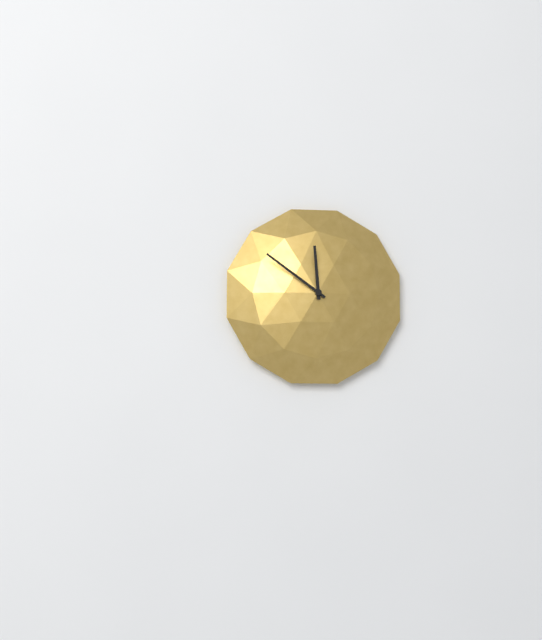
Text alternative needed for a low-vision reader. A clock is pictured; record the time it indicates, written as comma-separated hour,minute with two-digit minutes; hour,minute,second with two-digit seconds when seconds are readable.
11,51
